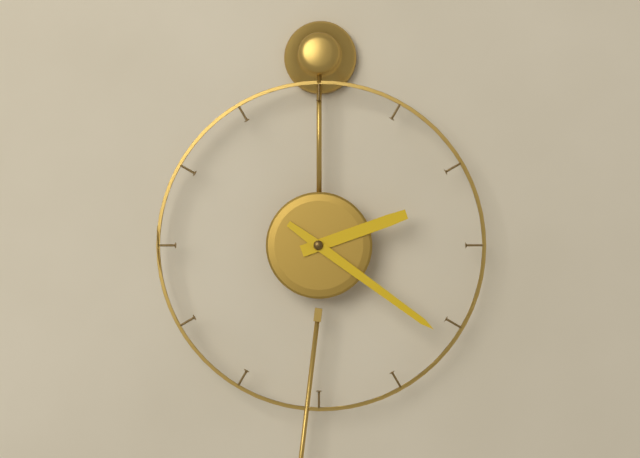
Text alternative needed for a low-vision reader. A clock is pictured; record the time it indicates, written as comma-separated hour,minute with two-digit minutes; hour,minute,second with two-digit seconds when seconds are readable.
2,21
